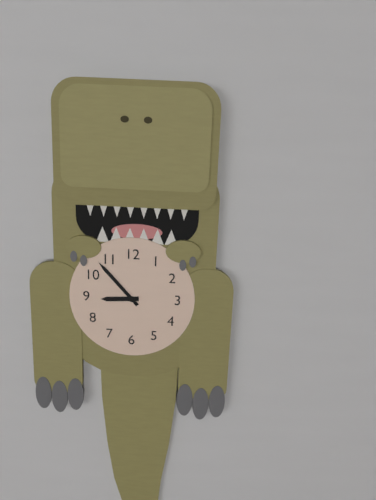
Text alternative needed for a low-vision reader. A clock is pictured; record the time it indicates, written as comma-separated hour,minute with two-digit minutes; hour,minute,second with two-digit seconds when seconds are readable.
8,53
